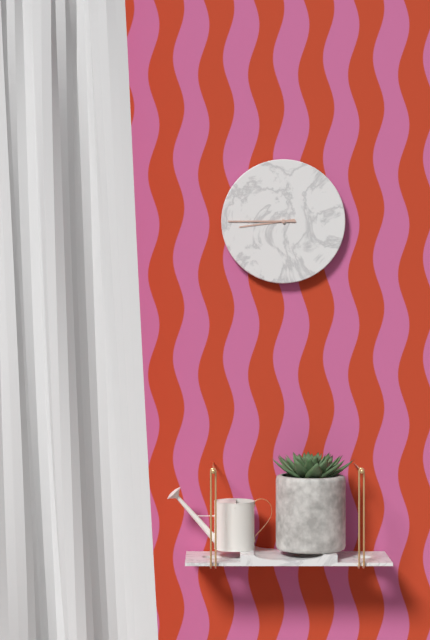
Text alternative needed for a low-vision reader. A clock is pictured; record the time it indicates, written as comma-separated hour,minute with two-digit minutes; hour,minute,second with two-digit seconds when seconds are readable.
8,45
